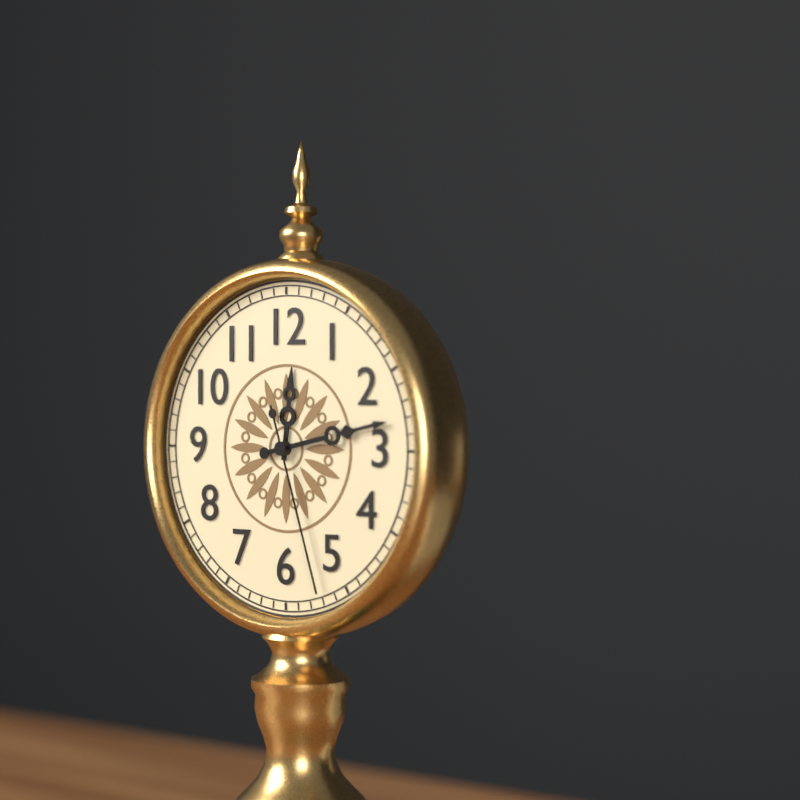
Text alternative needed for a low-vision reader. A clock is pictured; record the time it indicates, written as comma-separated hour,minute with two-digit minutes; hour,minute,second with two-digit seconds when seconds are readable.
12,13,27
